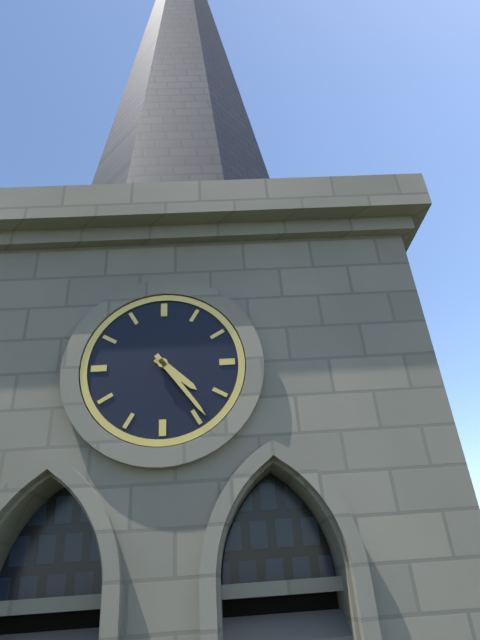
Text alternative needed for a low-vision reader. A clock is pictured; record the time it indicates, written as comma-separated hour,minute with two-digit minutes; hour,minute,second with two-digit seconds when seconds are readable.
4,24
